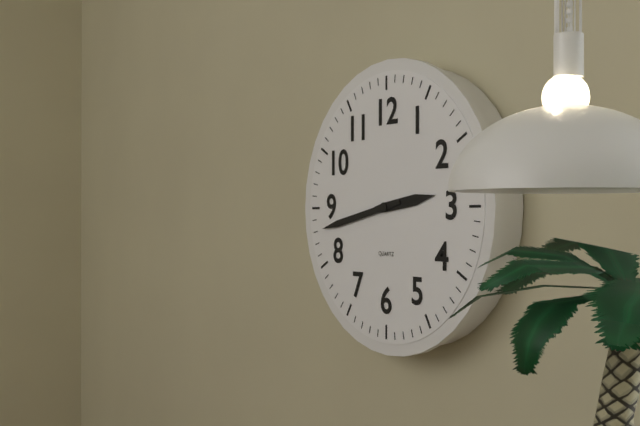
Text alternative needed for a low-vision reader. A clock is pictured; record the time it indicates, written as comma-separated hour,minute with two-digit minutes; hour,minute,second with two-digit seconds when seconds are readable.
2,43
